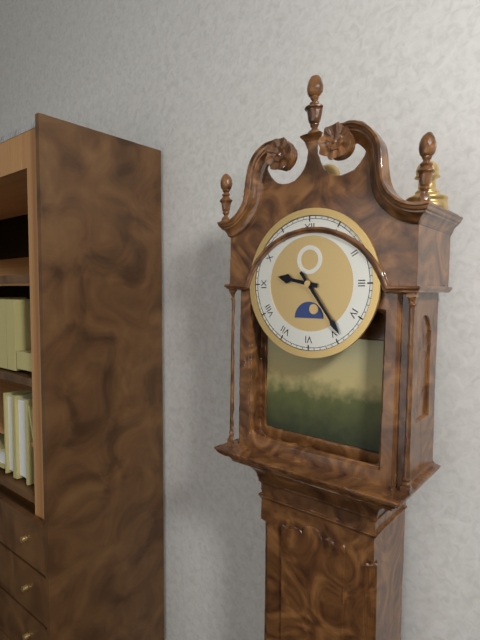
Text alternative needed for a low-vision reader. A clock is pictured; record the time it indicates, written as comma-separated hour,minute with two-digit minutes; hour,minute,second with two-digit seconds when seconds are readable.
9,24
